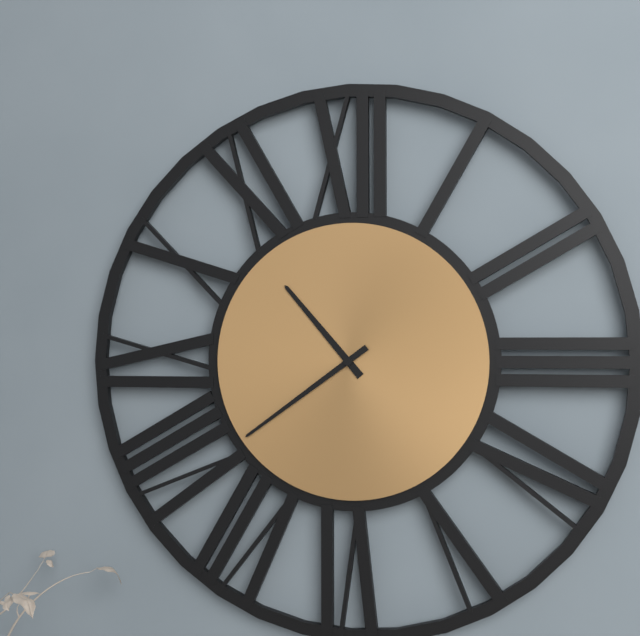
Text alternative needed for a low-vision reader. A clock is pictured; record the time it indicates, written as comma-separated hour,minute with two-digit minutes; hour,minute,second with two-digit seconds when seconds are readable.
10,39
